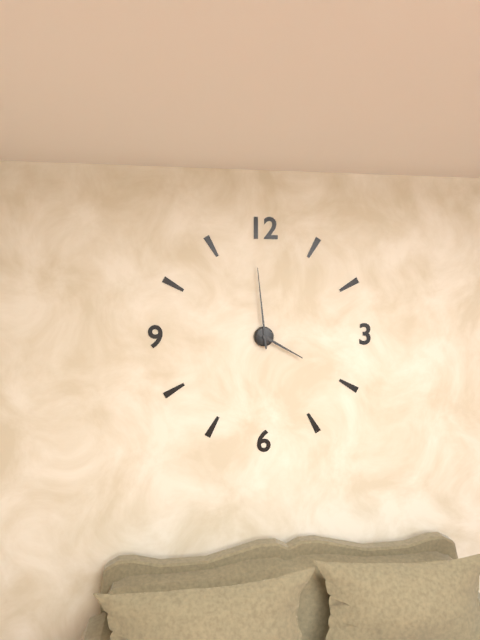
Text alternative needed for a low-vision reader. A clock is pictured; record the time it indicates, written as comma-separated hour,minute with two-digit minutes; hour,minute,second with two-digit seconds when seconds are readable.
3,59
